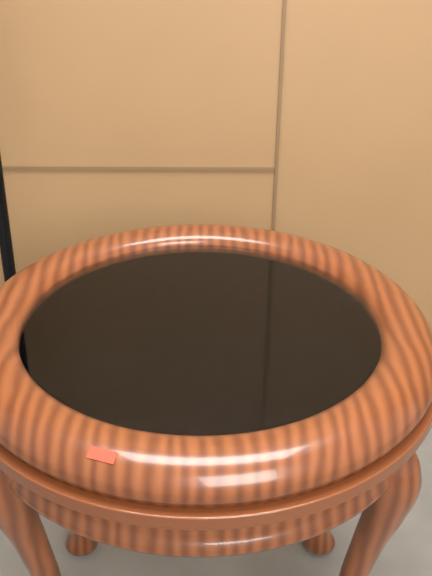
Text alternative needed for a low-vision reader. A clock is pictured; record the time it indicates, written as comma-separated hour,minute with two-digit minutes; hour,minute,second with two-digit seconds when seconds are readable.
6,08
